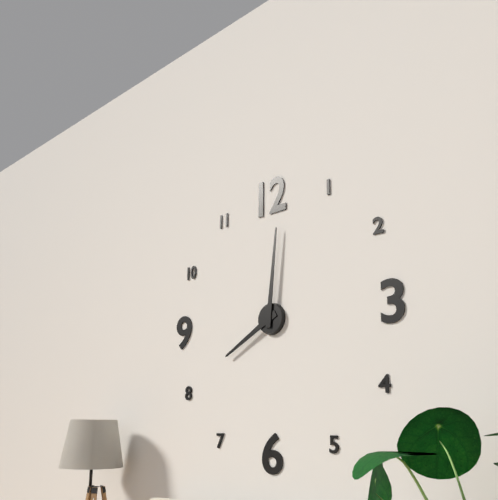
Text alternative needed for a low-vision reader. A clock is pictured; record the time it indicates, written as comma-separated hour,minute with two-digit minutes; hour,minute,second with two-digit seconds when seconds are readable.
8,01
